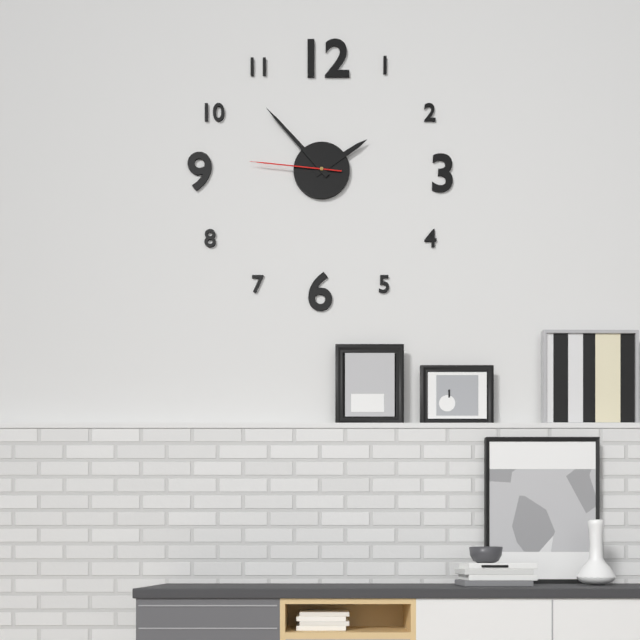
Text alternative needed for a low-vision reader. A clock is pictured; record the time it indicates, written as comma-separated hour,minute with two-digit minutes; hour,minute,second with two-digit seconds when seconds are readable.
1,53,46
